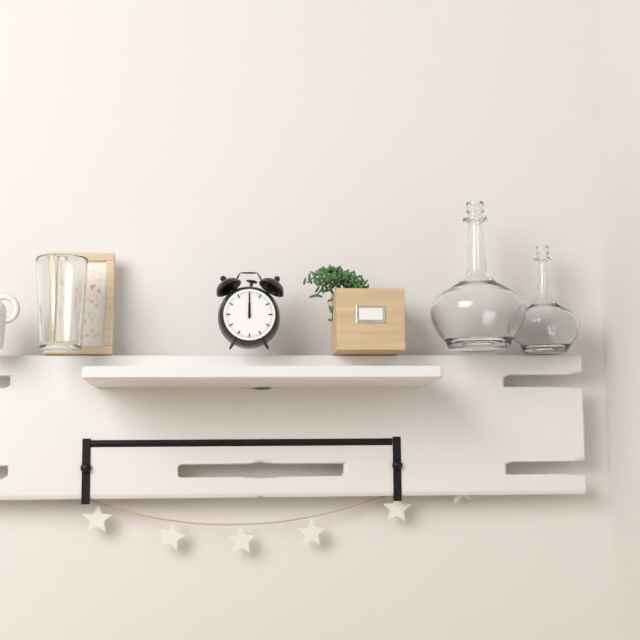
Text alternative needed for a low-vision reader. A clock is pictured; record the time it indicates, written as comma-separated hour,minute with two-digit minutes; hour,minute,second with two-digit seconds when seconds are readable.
12,00
